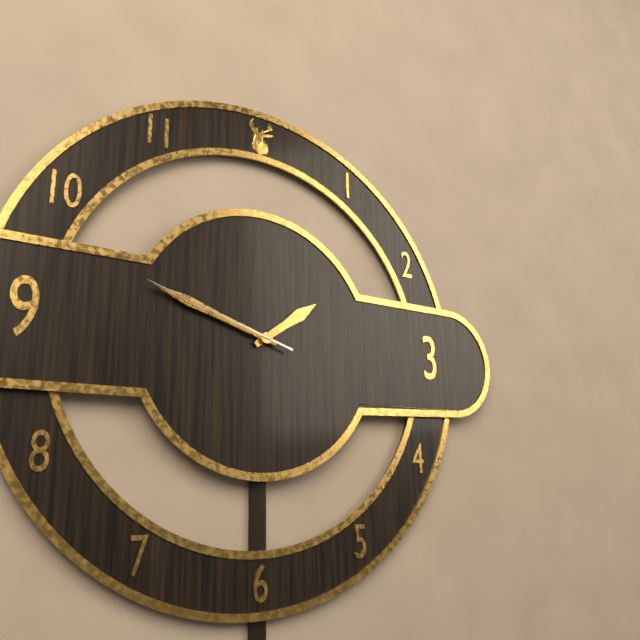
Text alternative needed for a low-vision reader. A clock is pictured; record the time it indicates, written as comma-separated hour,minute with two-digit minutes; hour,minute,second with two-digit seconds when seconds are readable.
1,48,48
